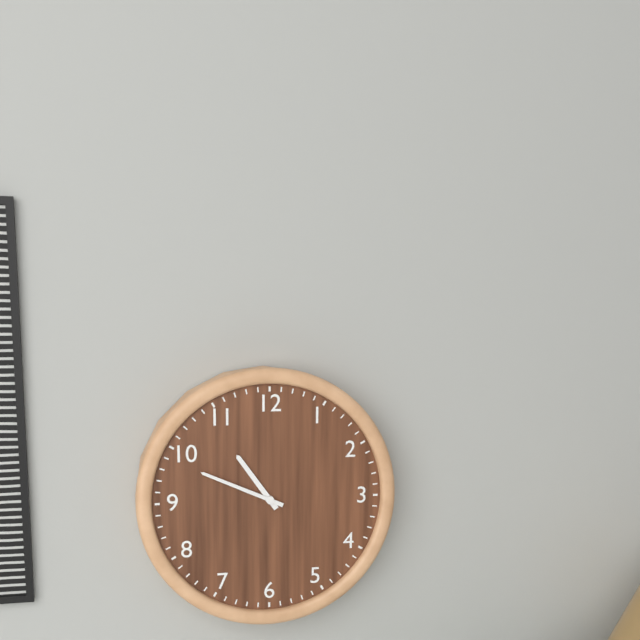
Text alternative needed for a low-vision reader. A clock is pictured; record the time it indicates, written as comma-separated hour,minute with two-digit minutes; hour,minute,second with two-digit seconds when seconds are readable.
10,49
